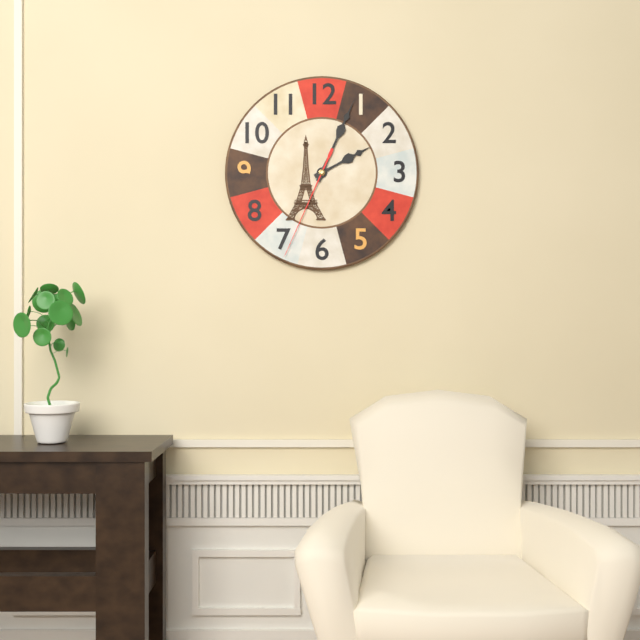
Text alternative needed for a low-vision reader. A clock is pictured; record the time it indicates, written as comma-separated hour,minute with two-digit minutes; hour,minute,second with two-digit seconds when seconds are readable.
2,04,34
